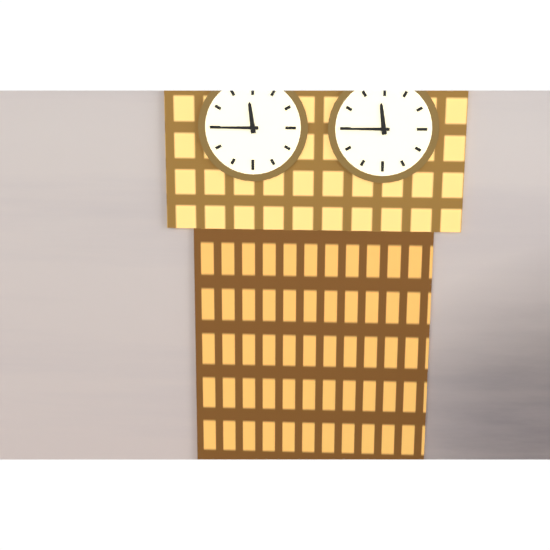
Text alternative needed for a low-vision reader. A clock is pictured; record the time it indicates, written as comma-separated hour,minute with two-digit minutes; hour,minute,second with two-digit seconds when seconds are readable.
11,45
